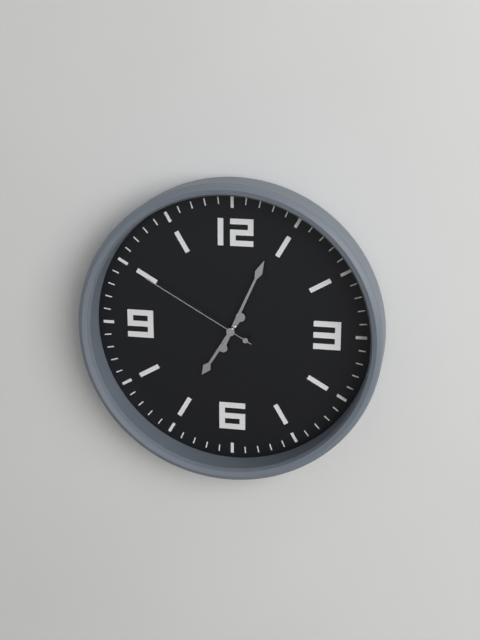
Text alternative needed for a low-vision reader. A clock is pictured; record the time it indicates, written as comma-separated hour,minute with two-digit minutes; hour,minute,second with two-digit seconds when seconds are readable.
7,04,50
